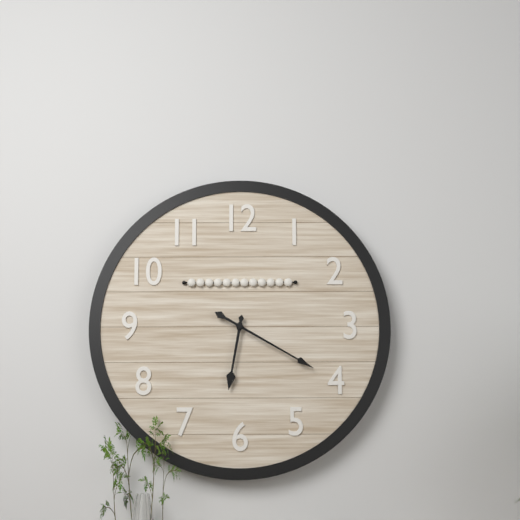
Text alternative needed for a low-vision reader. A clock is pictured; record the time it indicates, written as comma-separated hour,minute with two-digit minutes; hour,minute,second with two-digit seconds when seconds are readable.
6,20
